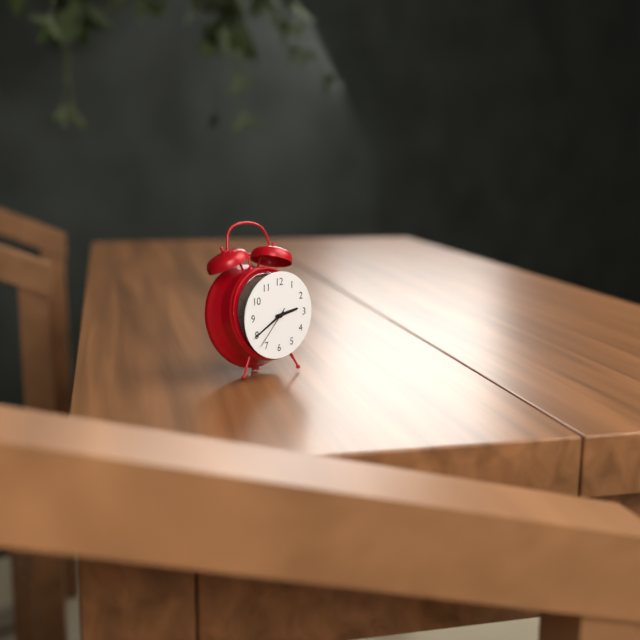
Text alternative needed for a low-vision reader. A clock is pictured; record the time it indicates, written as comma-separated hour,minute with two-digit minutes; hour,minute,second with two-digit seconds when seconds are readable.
2,40
